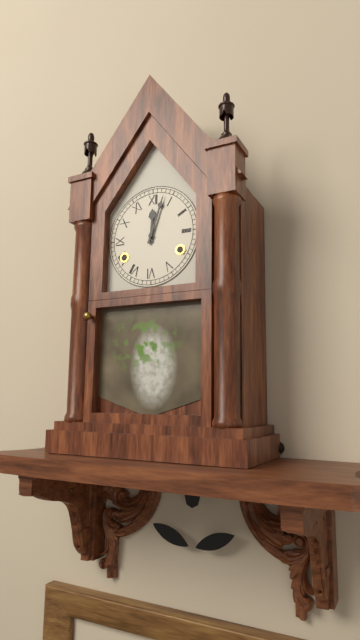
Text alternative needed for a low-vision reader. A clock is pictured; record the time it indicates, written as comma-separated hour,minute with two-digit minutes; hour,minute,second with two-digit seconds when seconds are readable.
12,03
